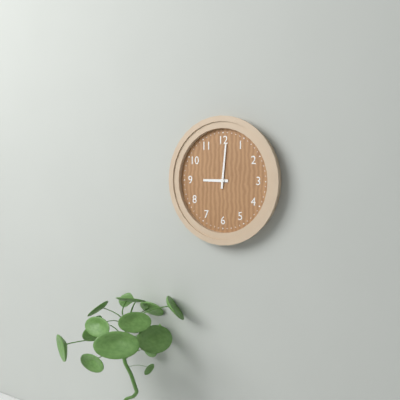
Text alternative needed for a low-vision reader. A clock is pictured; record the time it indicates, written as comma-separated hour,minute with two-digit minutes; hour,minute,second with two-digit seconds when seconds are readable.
9,01
